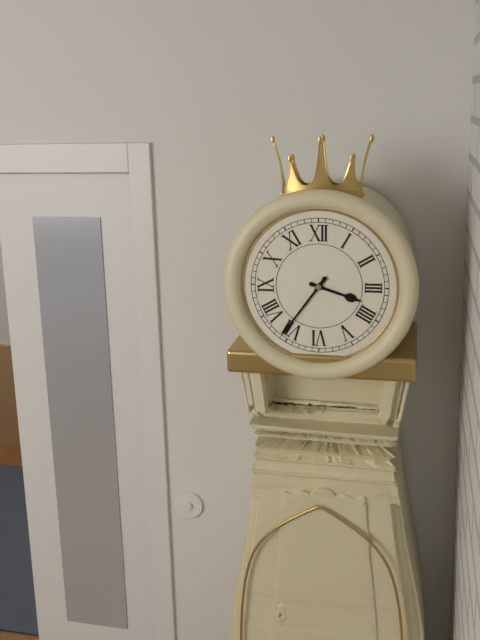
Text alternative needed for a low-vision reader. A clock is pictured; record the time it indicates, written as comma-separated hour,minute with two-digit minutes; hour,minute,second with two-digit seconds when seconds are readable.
3,36
